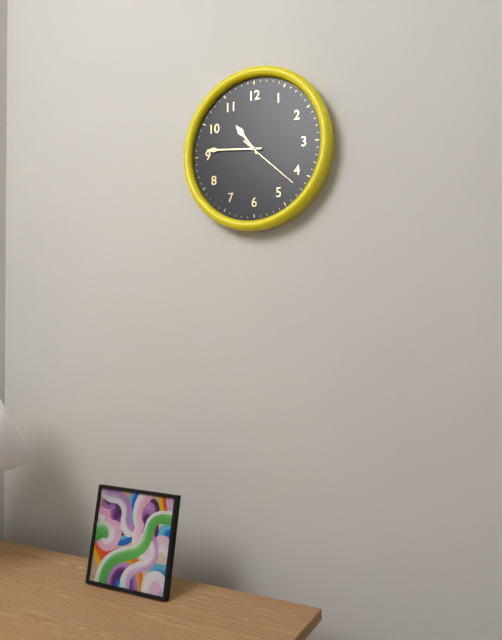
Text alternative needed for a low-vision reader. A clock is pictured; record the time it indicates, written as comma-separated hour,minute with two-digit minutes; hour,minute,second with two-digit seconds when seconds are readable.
10,46,22
